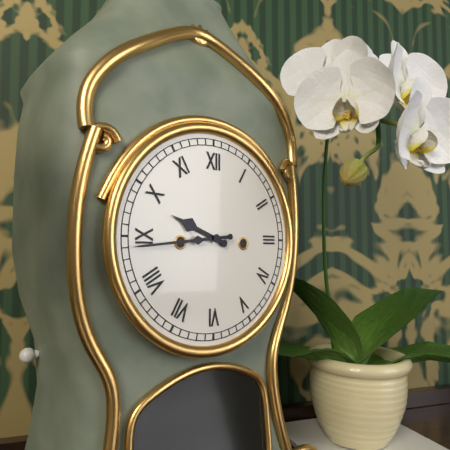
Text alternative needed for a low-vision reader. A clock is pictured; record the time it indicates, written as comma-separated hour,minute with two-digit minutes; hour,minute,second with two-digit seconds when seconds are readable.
9,44
